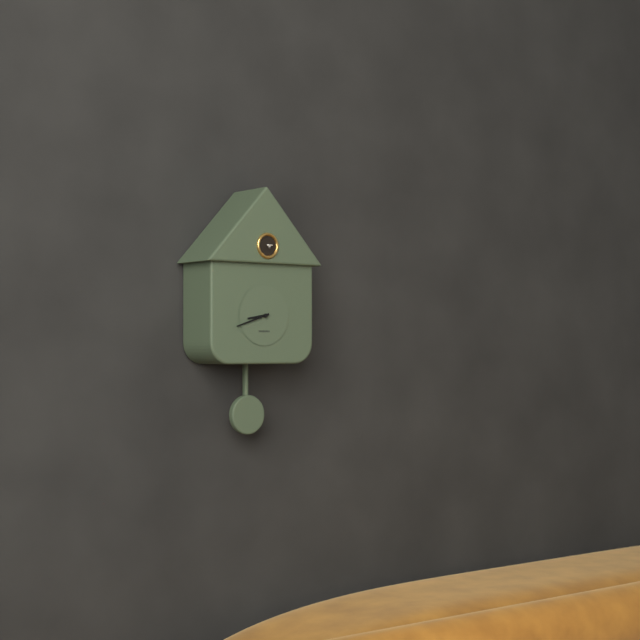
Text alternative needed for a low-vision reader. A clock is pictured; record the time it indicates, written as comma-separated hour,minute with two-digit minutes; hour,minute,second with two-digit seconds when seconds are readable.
8,42
